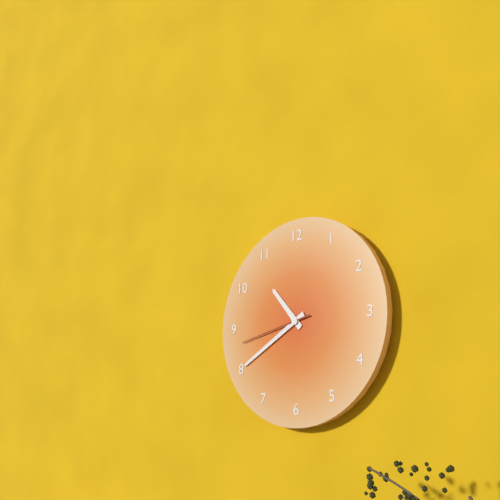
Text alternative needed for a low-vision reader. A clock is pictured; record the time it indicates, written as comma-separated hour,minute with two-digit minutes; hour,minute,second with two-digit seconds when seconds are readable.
10,40,43
